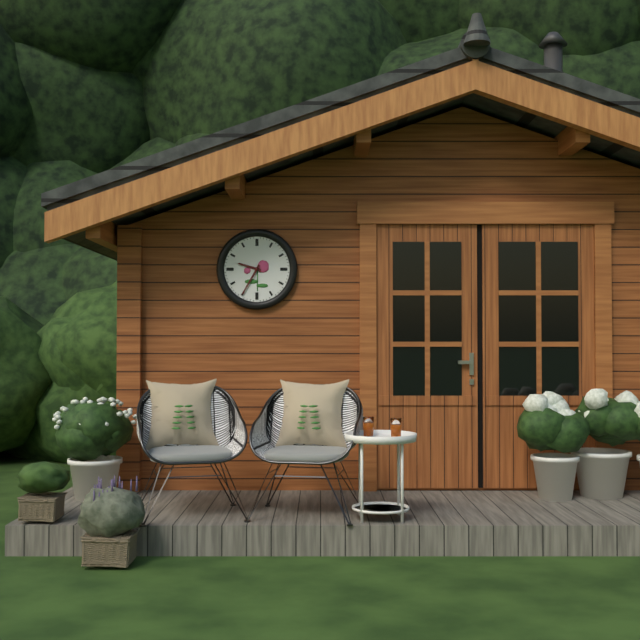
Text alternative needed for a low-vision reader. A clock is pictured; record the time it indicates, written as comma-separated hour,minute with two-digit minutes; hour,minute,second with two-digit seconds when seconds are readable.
9,35
